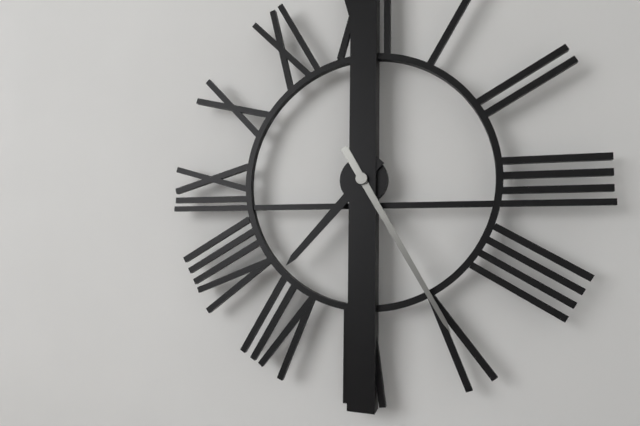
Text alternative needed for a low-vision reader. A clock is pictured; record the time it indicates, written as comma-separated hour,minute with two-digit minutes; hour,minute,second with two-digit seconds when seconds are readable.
7,25
